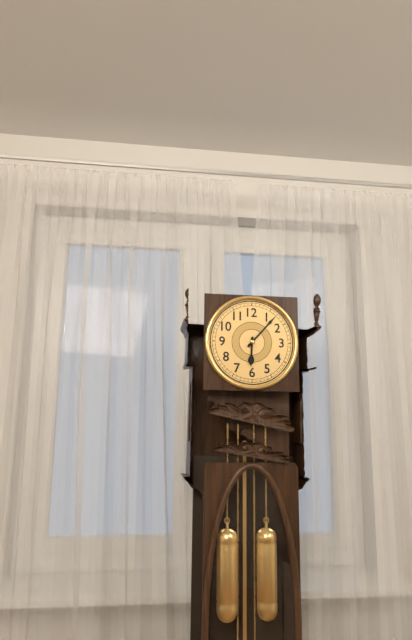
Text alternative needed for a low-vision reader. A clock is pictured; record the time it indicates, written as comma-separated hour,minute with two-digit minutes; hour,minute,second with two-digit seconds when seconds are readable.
6,07
